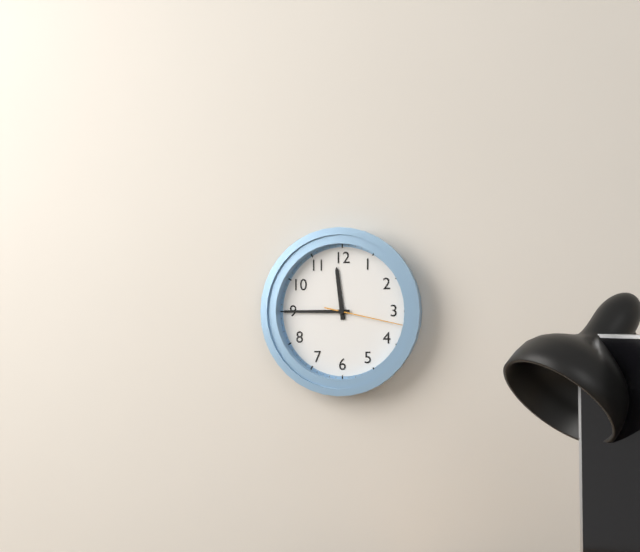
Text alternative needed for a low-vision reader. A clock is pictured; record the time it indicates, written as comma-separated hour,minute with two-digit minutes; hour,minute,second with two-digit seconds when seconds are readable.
11,45,17
